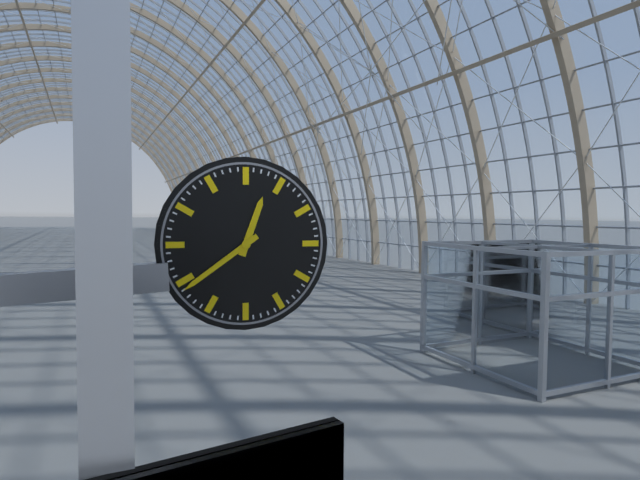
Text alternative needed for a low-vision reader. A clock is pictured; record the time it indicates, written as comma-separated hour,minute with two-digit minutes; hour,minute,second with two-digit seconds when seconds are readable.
12,39
